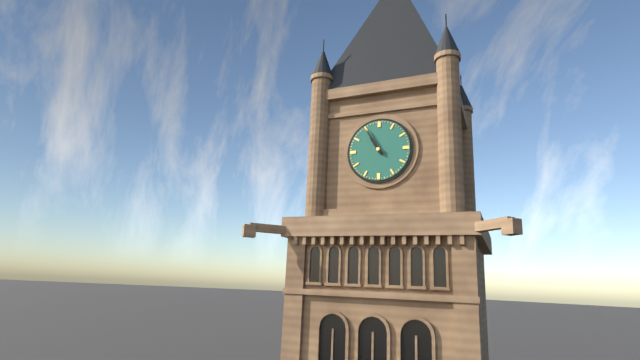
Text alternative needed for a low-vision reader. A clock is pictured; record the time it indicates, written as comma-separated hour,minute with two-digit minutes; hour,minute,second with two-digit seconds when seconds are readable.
10,55
